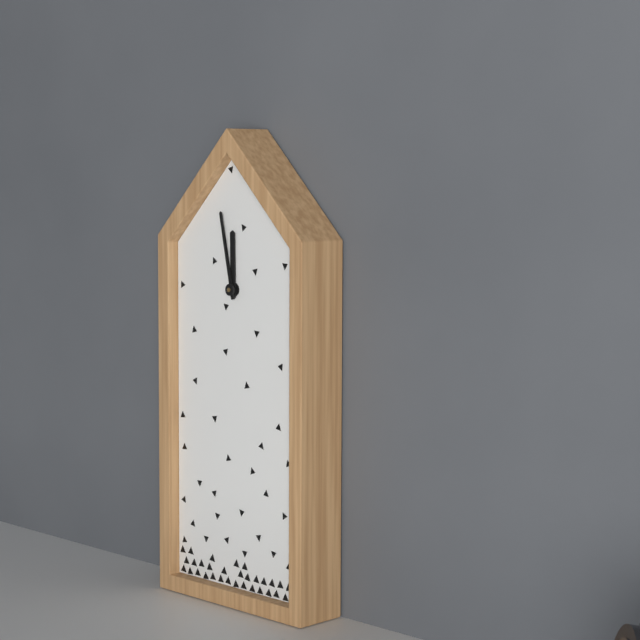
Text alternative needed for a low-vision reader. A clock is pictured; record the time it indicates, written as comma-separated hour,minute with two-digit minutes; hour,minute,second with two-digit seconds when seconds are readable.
11,58
